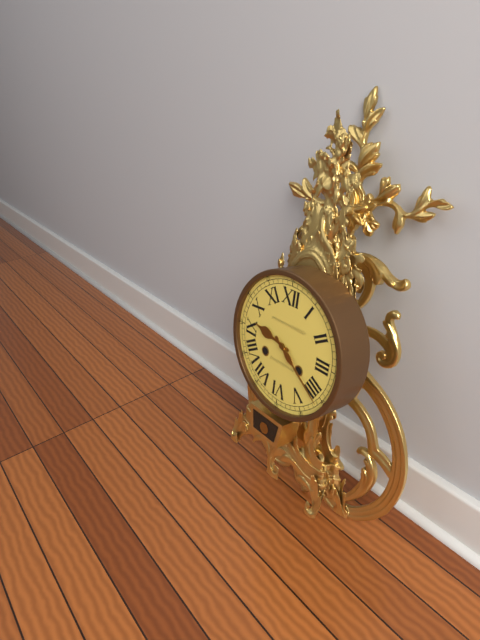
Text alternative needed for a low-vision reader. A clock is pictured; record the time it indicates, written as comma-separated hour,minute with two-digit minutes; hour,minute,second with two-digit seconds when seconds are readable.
9,21
